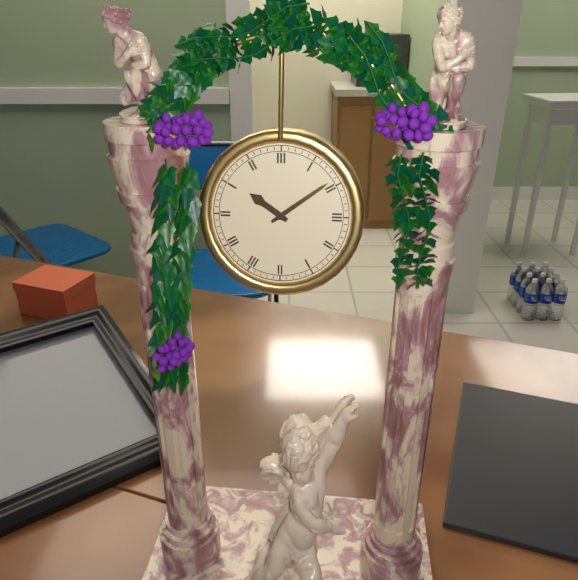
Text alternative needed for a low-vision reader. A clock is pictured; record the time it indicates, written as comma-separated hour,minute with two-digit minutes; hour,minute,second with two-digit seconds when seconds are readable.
10,09
